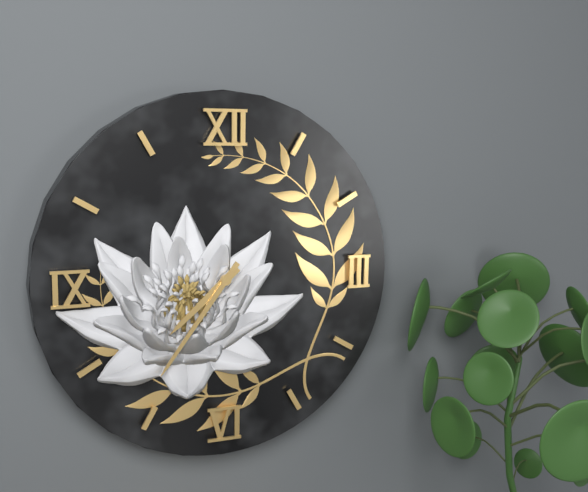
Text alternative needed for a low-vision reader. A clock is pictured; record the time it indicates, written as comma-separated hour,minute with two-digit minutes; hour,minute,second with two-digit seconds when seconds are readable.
7,36
